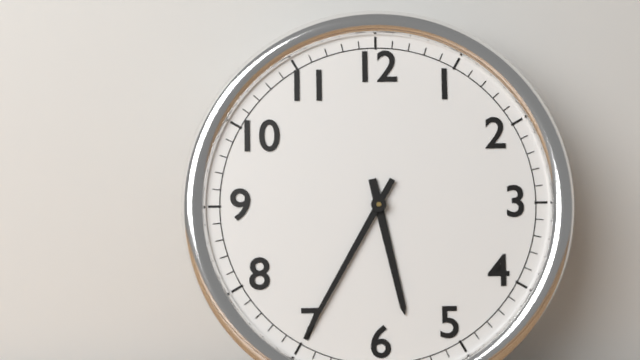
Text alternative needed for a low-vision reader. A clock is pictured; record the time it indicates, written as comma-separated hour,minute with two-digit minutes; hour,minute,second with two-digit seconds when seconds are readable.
5,35
